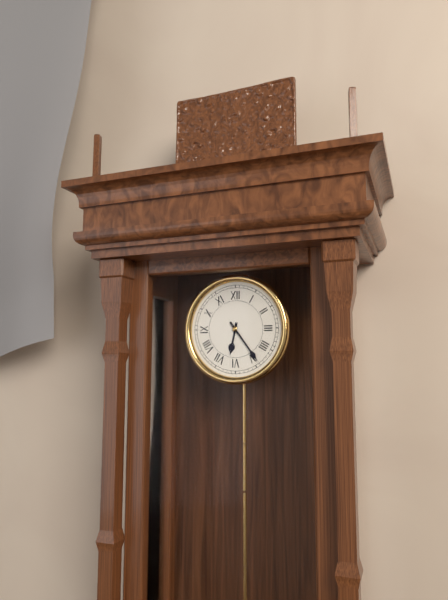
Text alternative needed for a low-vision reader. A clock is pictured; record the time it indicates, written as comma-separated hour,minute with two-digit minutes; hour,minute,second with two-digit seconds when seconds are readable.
6,24
